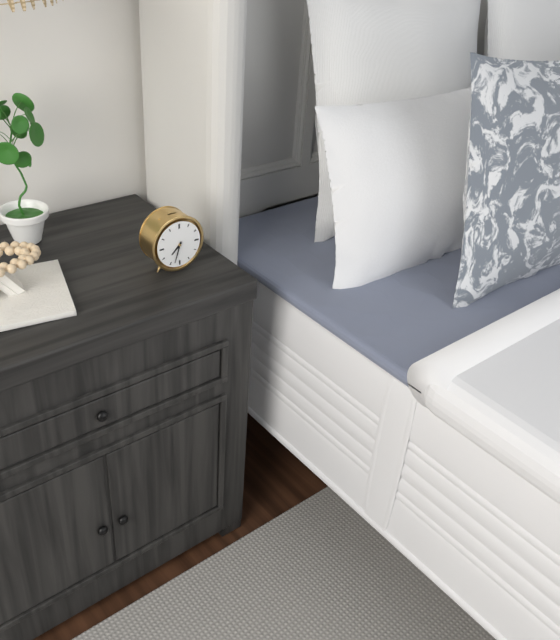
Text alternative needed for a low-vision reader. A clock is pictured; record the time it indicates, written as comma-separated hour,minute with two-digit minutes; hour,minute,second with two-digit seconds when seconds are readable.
7,33
